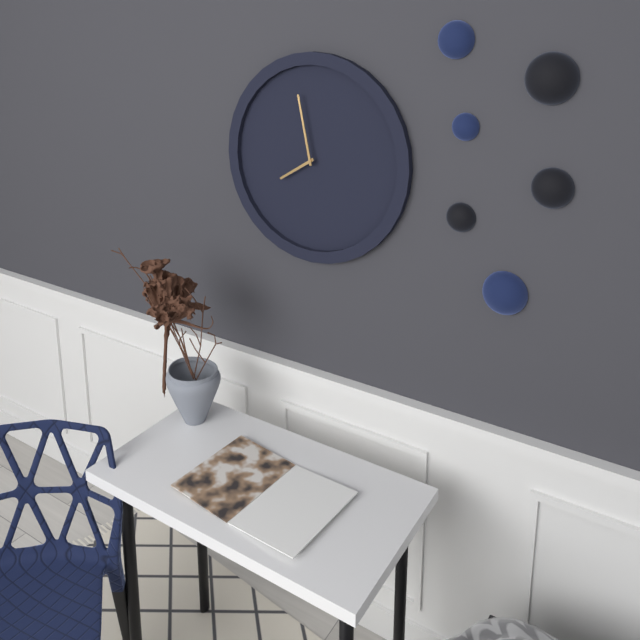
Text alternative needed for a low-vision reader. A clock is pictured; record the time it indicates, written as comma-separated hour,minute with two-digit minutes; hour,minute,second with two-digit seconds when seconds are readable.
7,58
